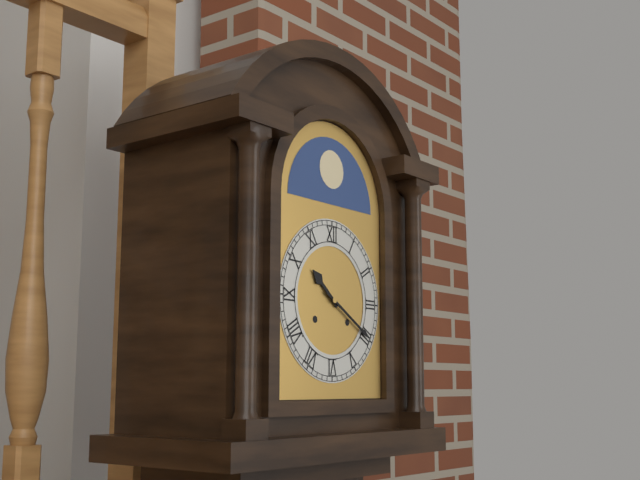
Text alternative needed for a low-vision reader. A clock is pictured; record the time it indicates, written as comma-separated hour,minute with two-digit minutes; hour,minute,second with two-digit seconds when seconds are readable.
10,20
